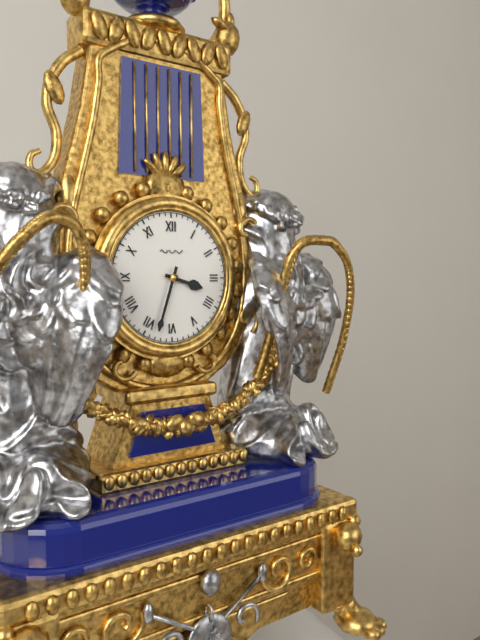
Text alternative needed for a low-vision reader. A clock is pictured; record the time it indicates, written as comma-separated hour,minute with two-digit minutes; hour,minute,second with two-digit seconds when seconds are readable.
3,33
